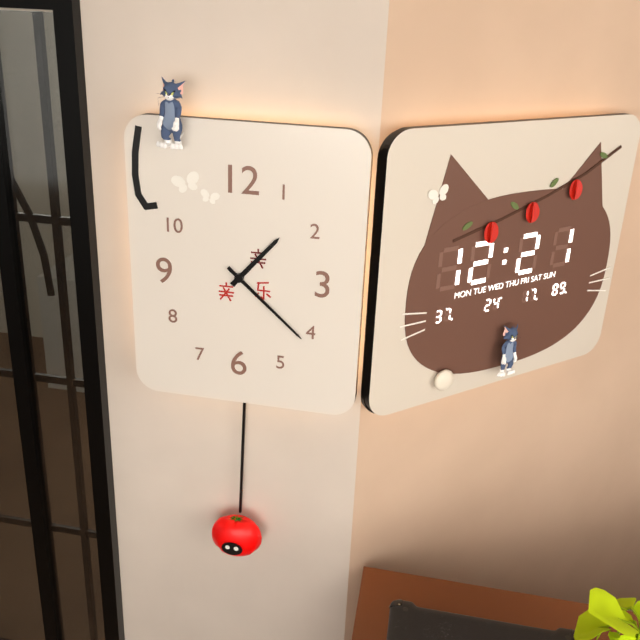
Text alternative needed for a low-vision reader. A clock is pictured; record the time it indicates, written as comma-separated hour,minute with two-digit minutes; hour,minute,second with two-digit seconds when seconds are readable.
1,22
